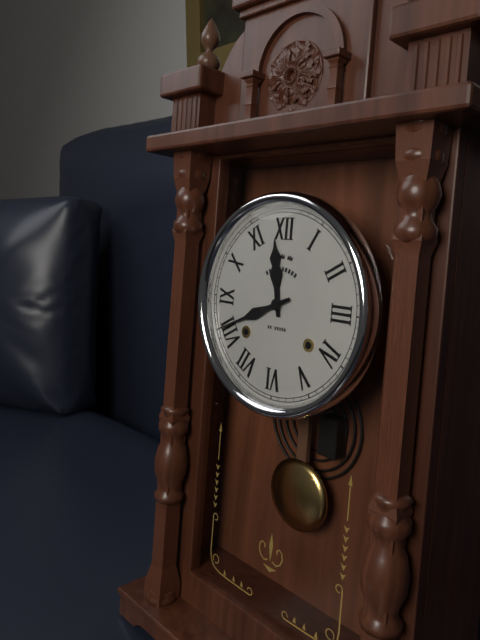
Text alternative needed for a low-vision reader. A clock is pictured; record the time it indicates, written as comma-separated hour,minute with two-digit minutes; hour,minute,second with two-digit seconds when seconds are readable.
11,41
